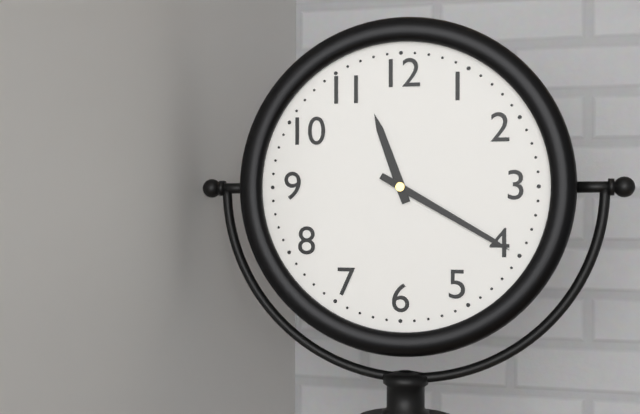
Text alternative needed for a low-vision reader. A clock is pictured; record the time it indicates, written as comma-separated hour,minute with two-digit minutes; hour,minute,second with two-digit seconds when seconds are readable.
11,20
